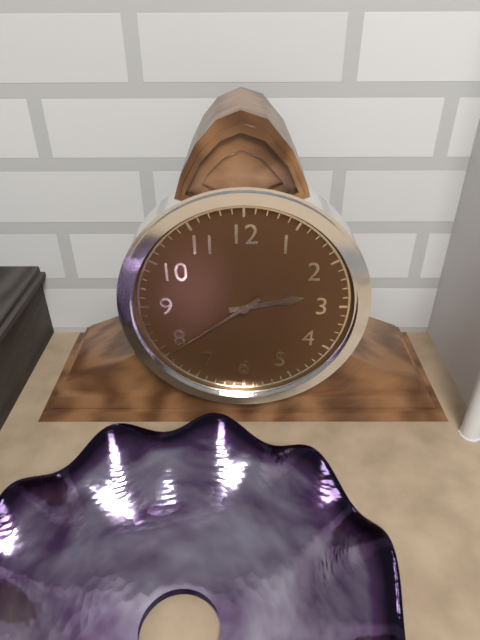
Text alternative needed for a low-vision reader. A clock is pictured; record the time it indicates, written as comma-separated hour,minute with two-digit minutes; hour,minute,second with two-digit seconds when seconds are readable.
2,39
